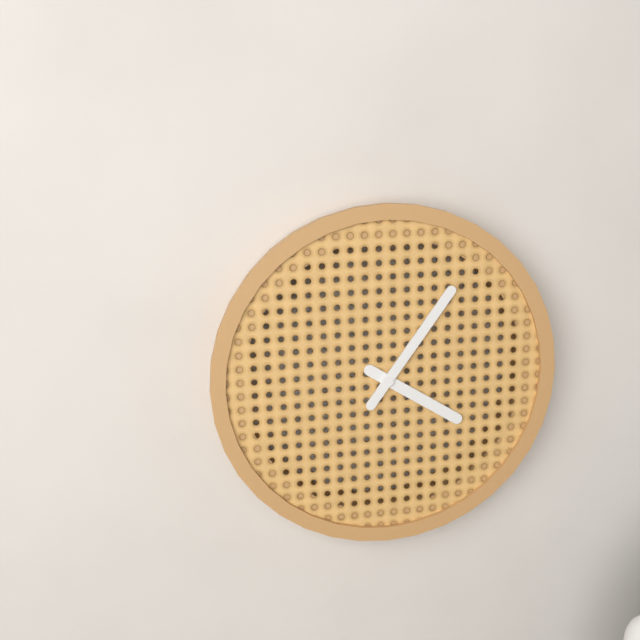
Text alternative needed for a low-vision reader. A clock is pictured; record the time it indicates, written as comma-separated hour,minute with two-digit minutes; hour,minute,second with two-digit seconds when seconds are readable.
4,06
